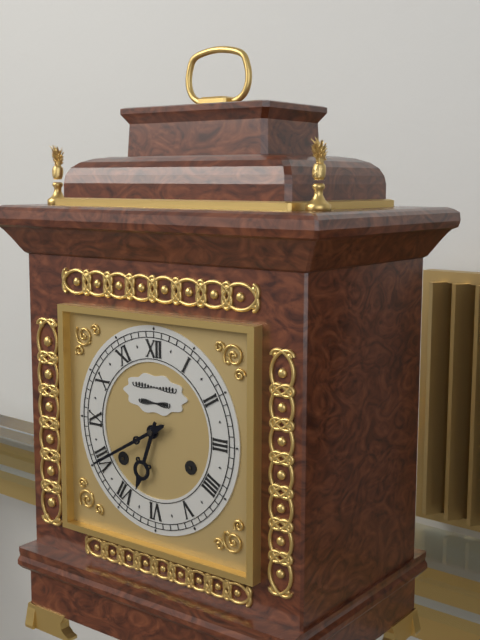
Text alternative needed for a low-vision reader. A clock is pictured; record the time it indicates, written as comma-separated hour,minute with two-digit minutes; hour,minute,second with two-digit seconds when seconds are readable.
6,40
